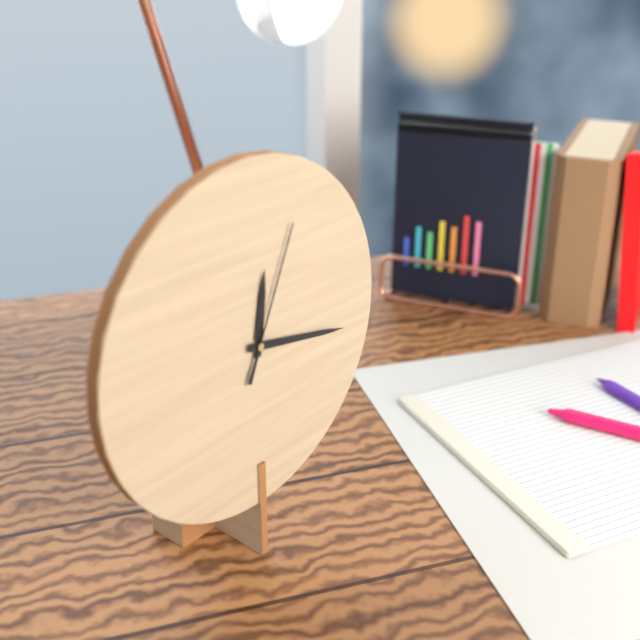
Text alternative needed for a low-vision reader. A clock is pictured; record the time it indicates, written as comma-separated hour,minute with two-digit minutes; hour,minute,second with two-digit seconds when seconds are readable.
12,17,04
